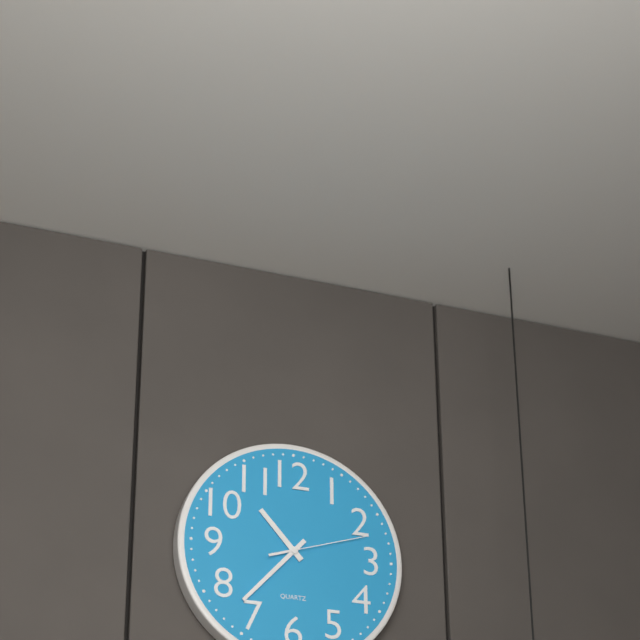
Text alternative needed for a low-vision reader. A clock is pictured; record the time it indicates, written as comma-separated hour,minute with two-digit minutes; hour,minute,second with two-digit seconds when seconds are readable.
10,37,12
